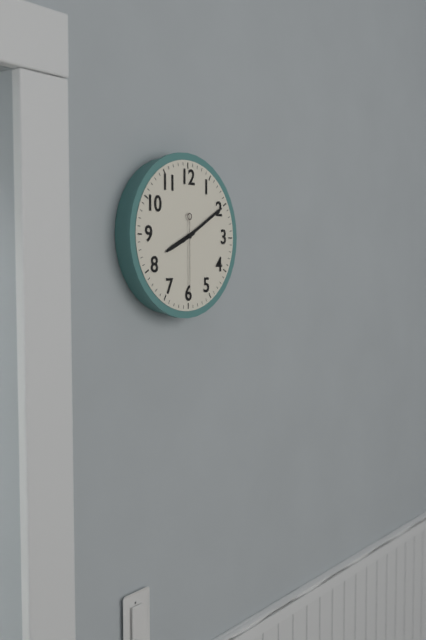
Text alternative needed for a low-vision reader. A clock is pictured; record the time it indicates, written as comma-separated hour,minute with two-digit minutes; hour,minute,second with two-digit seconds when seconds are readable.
8,10,30
